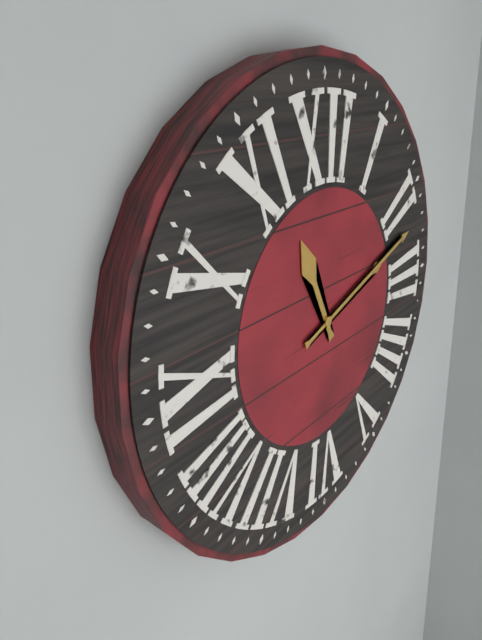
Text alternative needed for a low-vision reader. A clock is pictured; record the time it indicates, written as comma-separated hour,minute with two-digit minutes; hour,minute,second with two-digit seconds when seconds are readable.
11,12
